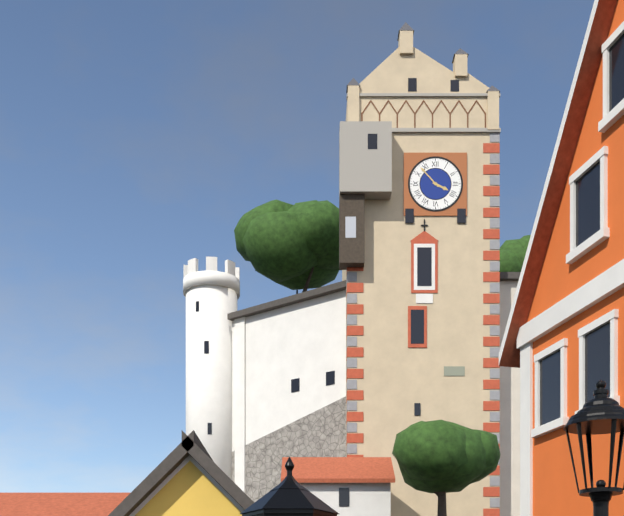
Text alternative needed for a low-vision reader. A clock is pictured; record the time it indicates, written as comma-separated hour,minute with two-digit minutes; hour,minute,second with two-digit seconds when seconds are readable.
3,53
